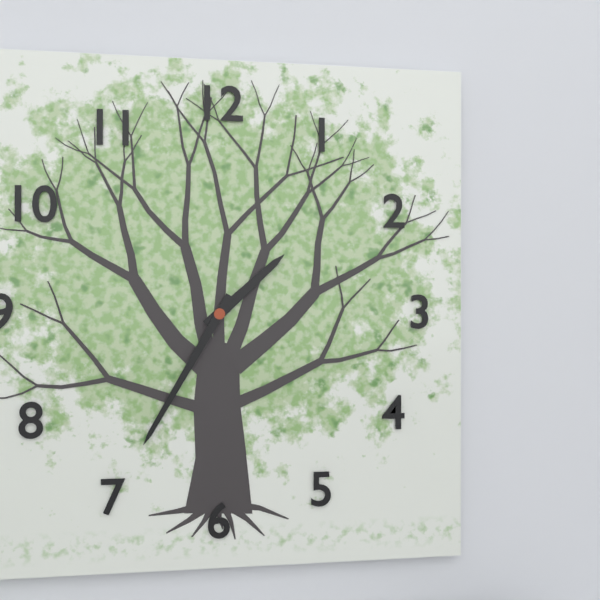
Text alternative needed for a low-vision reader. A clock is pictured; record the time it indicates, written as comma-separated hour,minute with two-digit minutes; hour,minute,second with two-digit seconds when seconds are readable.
1,35
